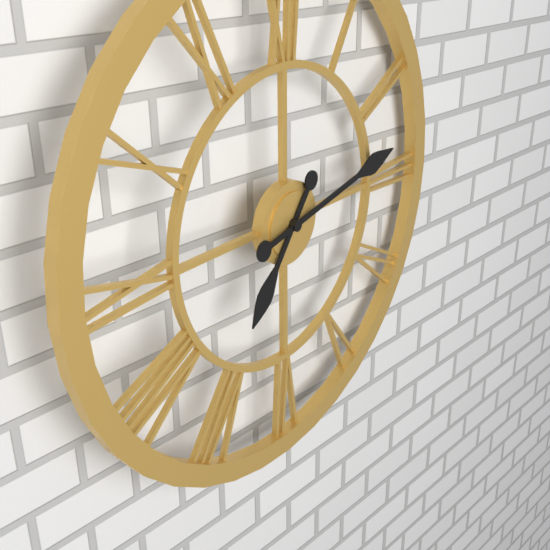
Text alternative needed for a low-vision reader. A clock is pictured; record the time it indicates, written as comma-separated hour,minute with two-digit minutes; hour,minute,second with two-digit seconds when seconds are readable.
7,13
